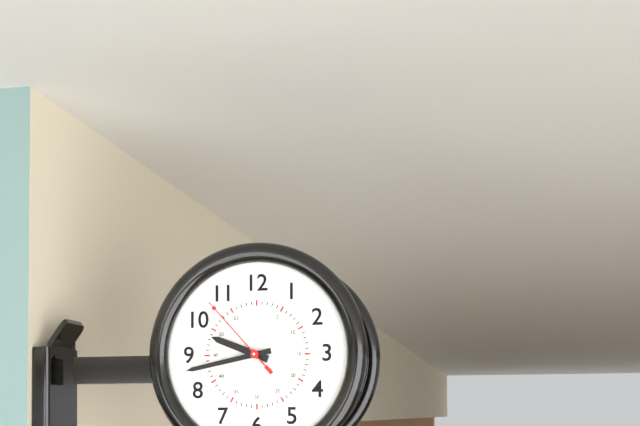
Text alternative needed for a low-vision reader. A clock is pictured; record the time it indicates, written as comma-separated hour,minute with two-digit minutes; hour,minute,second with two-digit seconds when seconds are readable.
9,43,53
